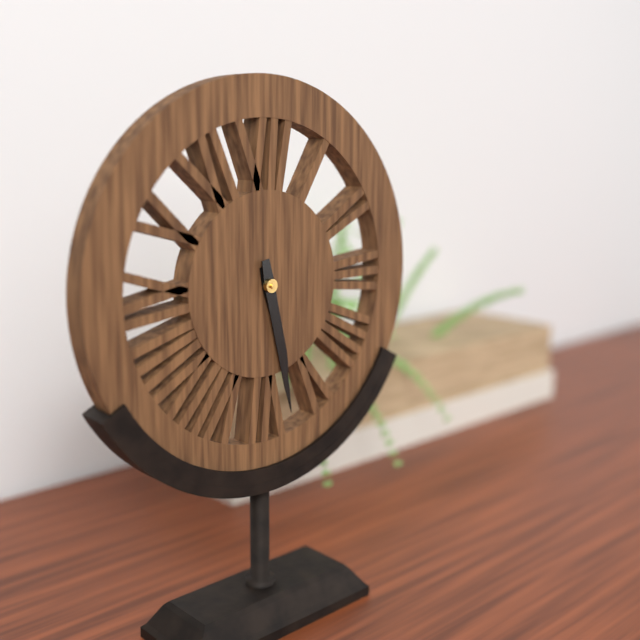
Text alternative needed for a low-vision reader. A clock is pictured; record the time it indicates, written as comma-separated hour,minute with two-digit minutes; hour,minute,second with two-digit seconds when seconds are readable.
5,28
